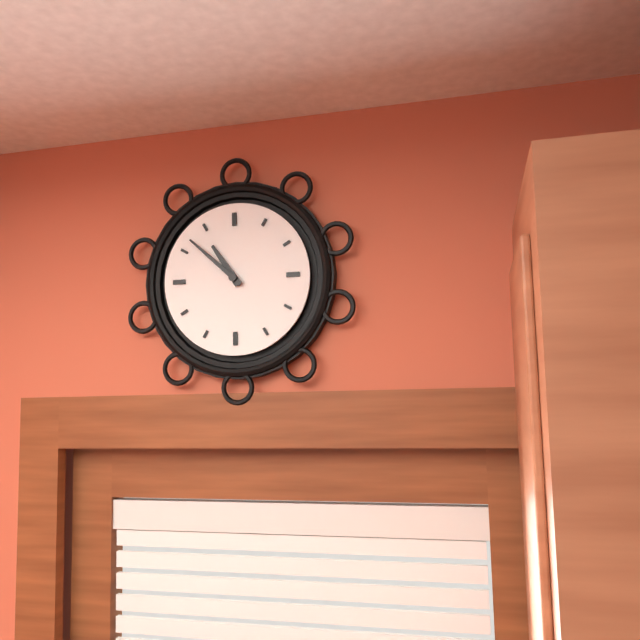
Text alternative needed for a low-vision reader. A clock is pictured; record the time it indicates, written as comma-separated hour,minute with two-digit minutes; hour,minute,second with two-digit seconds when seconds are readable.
10,52
